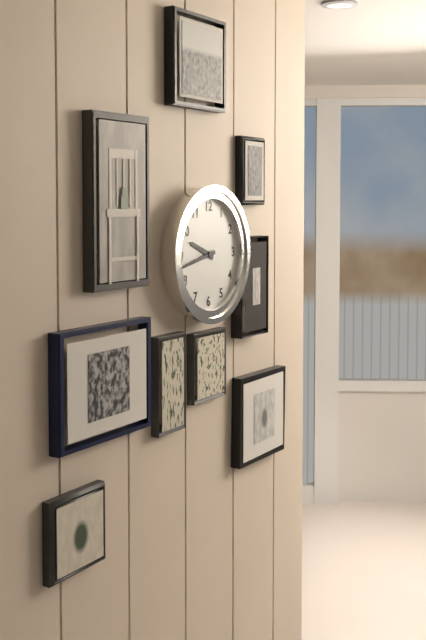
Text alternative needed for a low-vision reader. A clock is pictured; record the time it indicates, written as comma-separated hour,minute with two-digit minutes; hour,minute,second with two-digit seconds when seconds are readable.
9,43
